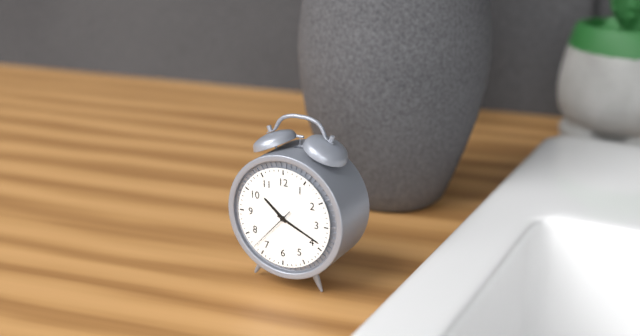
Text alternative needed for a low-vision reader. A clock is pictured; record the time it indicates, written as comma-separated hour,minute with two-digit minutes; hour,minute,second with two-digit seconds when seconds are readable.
10,19
